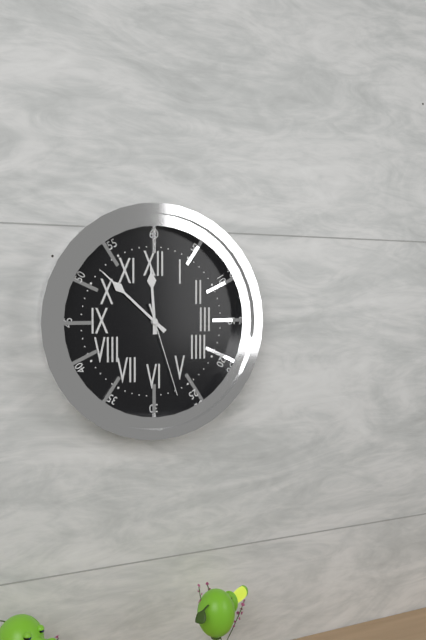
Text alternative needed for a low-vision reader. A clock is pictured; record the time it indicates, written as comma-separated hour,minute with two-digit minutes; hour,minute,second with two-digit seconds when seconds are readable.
11,52,27
